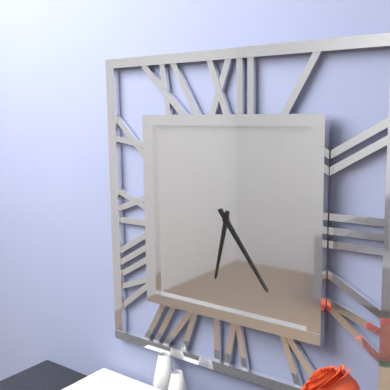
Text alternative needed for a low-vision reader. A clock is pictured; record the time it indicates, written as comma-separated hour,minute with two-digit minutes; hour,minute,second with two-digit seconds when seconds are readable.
6,24
